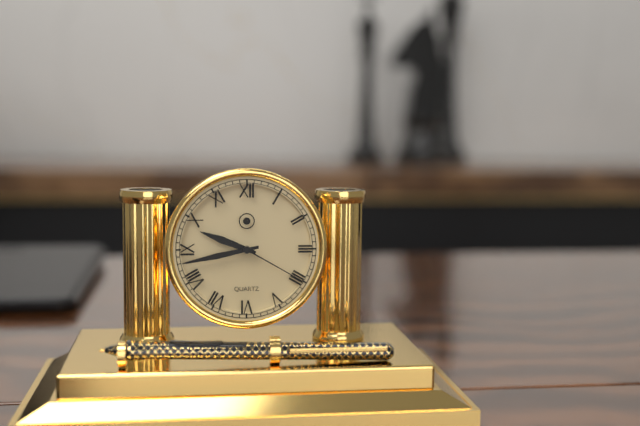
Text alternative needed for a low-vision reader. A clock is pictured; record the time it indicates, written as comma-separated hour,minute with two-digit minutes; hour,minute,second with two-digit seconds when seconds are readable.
9,43,20
